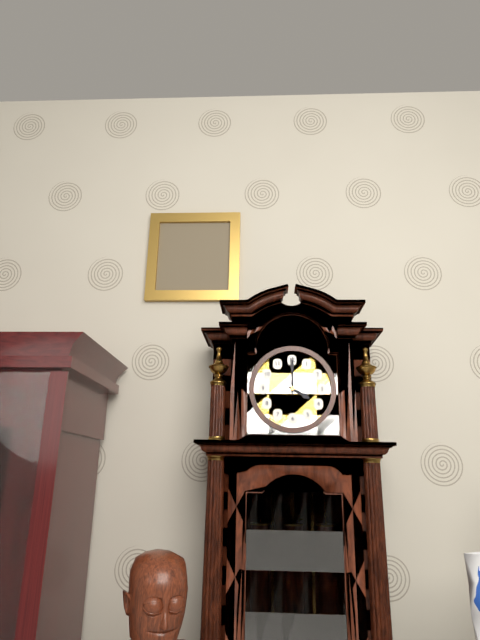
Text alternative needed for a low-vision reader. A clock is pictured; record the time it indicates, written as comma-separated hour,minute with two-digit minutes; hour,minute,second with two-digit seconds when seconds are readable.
4,00
